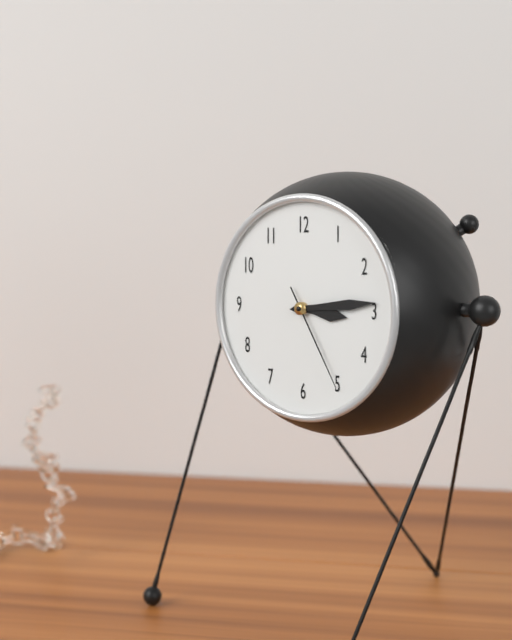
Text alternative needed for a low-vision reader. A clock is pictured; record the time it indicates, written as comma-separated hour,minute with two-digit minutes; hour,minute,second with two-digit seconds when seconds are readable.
3,14,25
